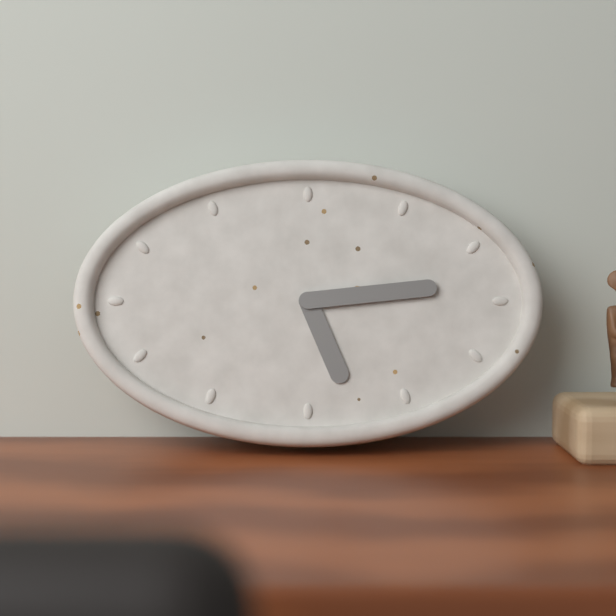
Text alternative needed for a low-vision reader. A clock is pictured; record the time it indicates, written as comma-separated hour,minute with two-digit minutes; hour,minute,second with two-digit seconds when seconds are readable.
5,14
